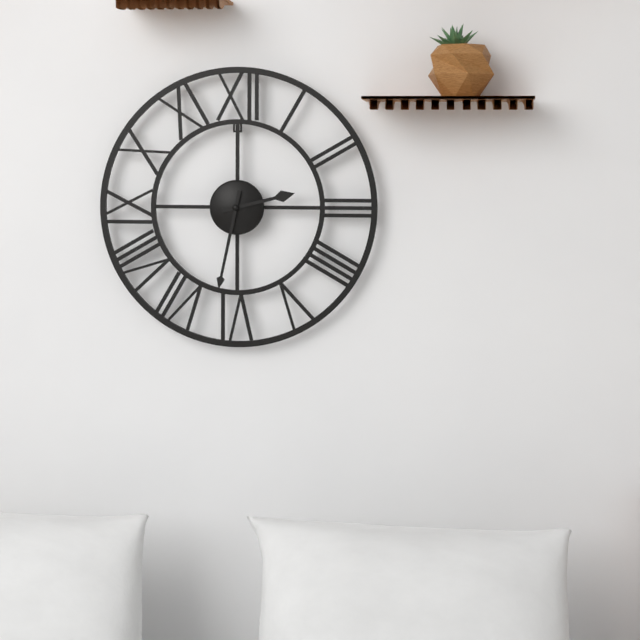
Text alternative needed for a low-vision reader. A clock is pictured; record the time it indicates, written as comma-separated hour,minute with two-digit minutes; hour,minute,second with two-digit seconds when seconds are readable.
2,32
